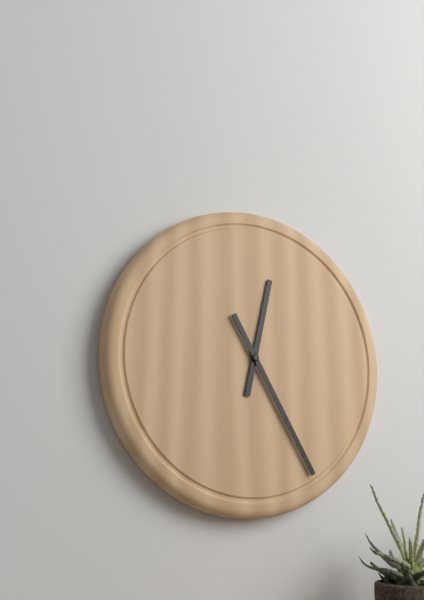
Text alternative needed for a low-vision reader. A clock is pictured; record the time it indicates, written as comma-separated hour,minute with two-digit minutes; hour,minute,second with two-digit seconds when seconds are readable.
12,25
